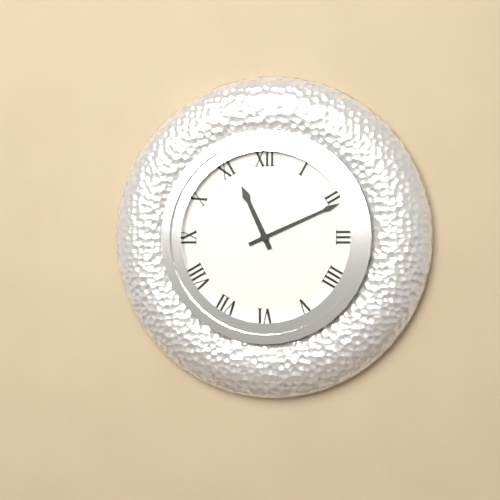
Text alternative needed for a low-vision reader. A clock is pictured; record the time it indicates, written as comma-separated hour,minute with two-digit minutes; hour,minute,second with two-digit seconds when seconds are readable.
11,11
